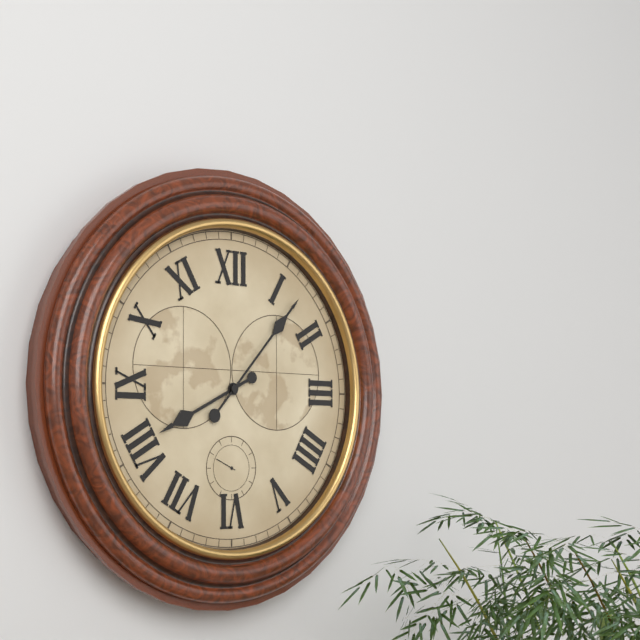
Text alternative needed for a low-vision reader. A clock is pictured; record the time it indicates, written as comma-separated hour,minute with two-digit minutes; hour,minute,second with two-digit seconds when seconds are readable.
8,07
